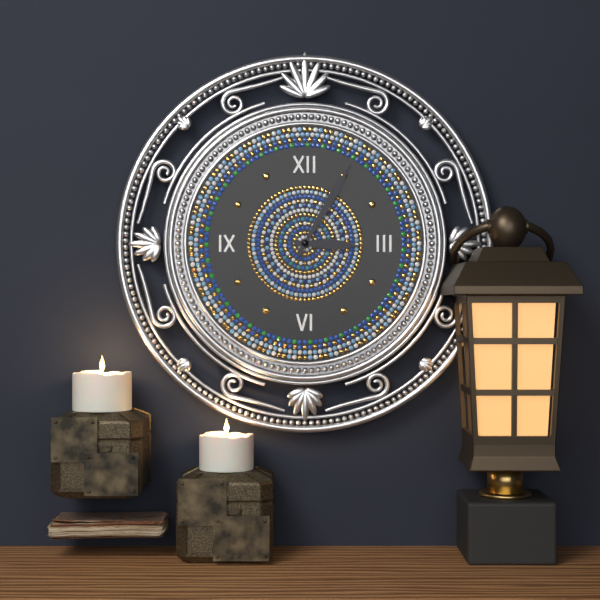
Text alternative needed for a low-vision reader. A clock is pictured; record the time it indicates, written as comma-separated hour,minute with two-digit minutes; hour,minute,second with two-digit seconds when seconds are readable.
3,05
